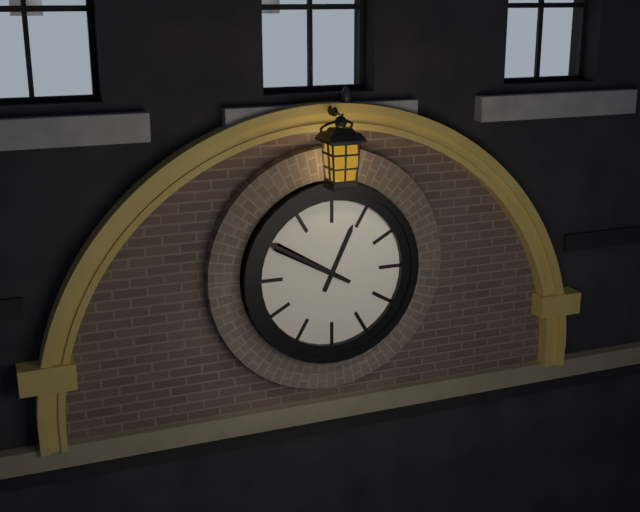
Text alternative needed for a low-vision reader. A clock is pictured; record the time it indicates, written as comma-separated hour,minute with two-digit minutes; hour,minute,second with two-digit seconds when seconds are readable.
12,50
